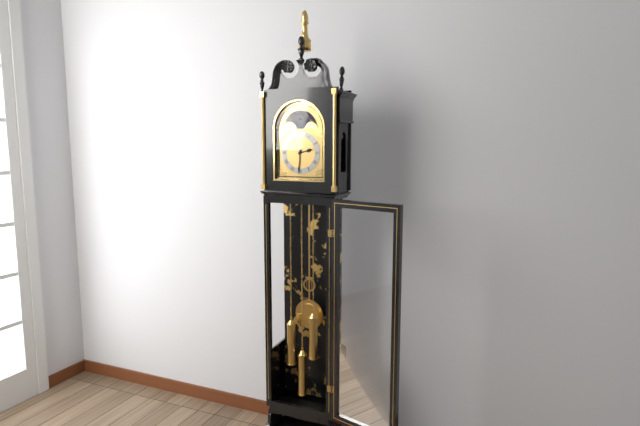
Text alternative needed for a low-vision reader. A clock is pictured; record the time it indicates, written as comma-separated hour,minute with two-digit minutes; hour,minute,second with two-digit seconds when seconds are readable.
2,31
